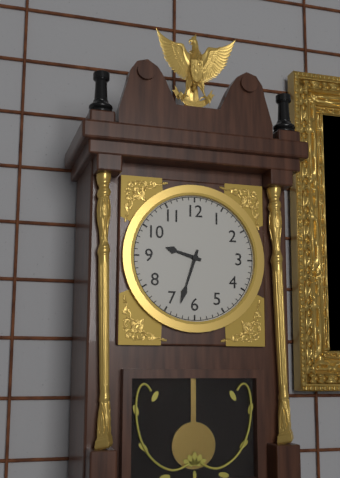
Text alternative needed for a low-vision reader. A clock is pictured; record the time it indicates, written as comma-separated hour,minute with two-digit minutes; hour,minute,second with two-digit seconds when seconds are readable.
9,33
